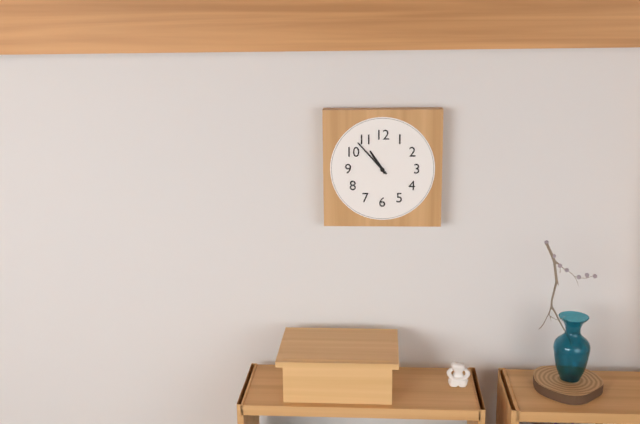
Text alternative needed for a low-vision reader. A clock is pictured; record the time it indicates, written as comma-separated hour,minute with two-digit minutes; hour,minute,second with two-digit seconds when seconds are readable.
10,53
